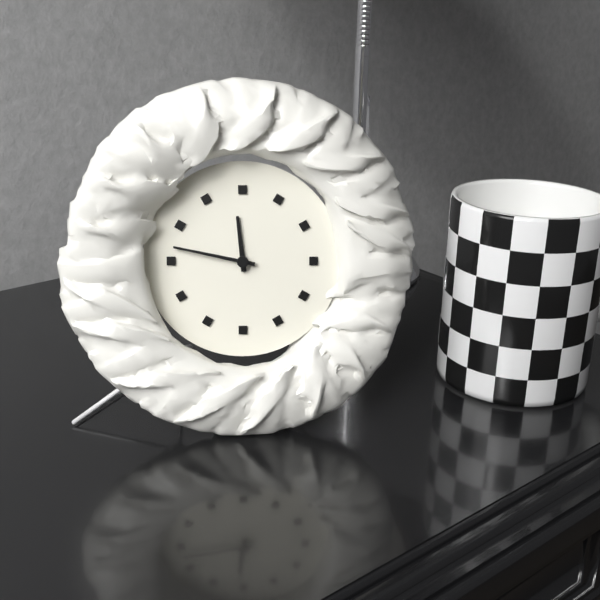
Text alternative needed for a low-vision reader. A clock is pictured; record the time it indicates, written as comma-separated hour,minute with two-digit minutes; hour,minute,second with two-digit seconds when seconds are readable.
11,47
